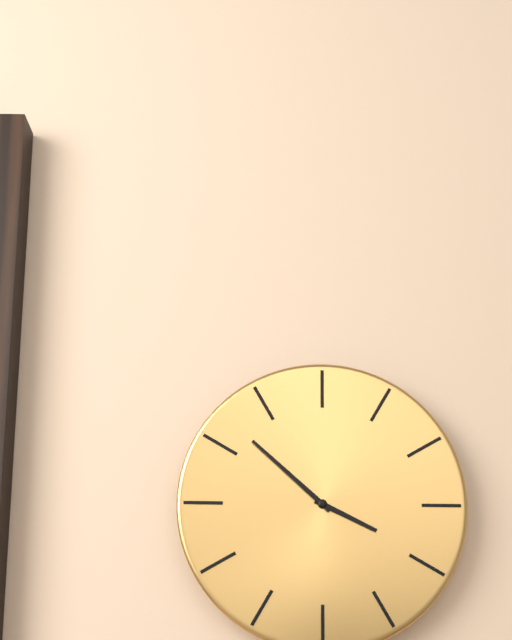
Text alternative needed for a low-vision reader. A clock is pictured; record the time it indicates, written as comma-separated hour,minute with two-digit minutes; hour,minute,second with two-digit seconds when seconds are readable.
3,52
